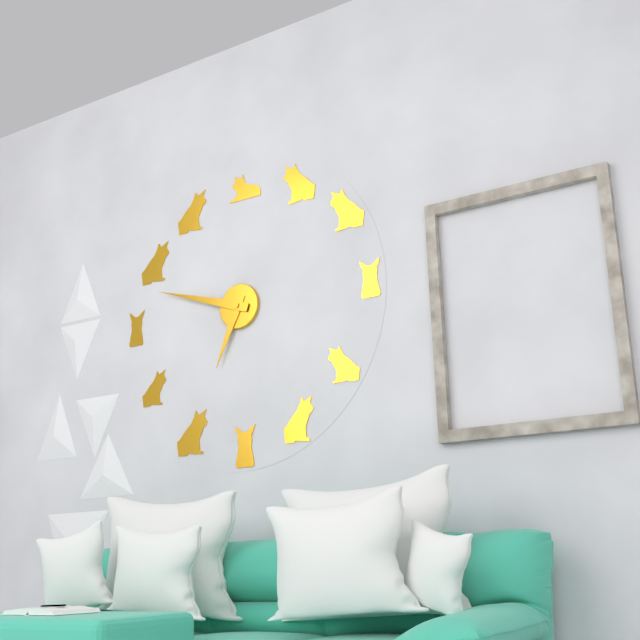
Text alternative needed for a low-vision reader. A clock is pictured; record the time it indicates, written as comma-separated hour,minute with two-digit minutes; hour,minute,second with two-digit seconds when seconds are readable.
6,48
